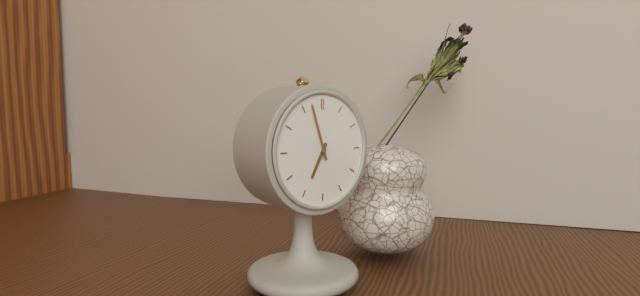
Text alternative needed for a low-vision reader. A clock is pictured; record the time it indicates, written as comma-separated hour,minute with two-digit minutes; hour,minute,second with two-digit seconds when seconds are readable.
6,57
